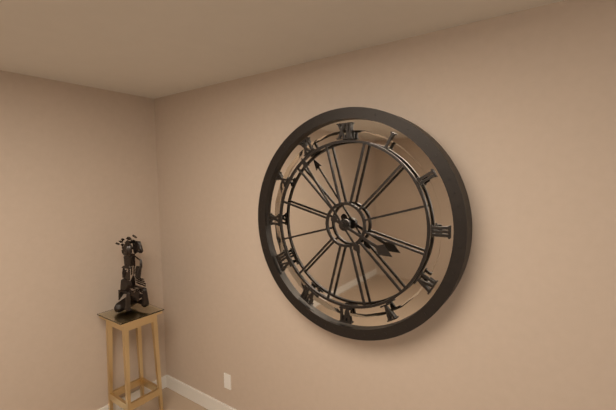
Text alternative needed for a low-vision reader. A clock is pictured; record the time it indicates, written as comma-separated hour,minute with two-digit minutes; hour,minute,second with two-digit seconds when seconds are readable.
3,54
